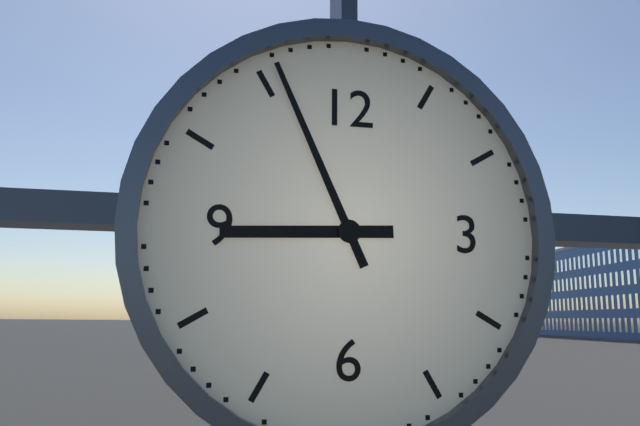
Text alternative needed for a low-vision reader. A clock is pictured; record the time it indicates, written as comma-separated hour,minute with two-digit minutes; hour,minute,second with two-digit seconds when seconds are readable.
8,56
